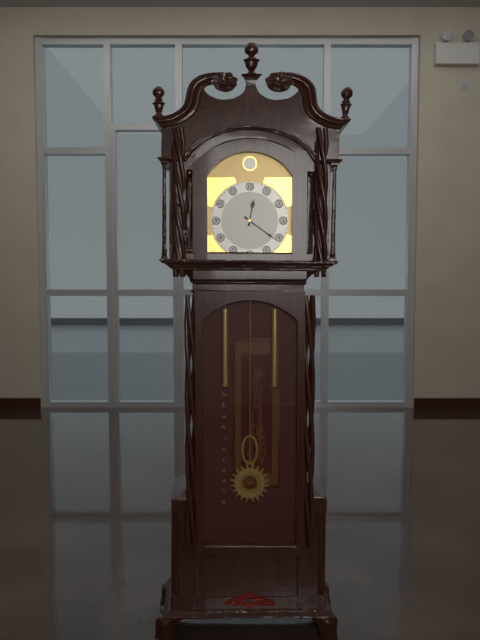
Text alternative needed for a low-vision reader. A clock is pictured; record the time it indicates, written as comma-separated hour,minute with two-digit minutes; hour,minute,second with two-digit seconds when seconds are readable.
12,21
